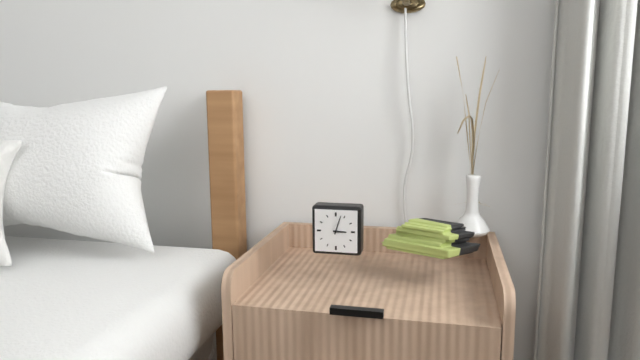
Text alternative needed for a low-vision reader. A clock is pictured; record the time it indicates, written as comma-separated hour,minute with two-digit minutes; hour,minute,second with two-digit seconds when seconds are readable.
3,03
